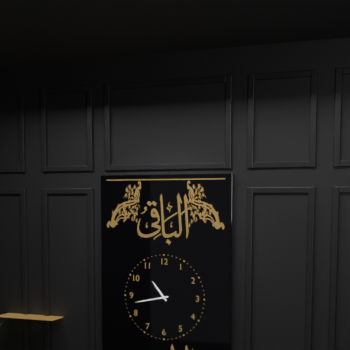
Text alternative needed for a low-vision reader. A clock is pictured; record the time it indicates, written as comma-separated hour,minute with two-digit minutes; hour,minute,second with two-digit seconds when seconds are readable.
10,43
